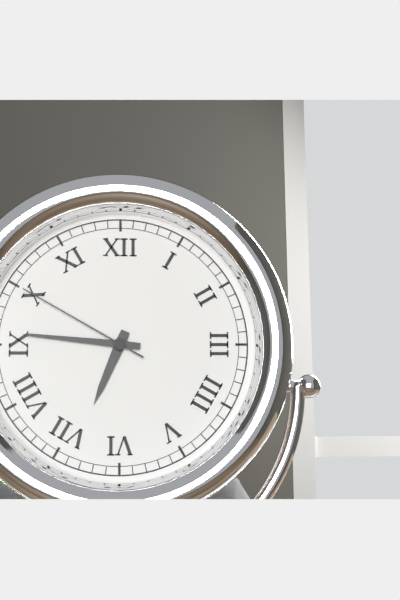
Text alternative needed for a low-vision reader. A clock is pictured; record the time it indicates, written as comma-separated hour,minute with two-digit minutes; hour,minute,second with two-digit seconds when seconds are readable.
6,46,50
